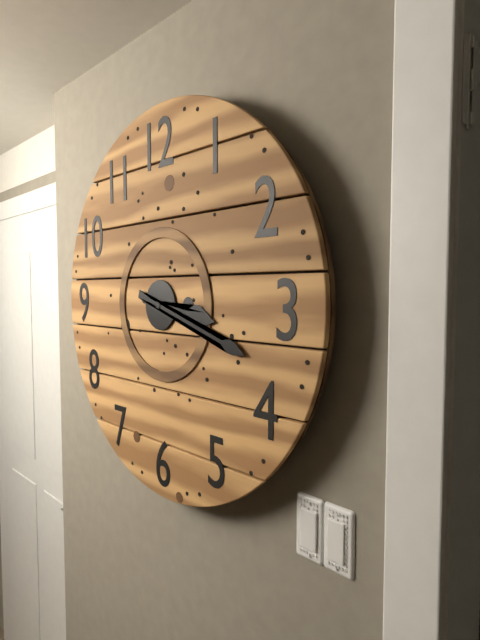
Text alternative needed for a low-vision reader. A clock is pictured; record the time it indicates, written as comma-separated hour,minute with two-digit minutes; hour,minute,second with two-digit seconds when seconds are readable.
3,18
